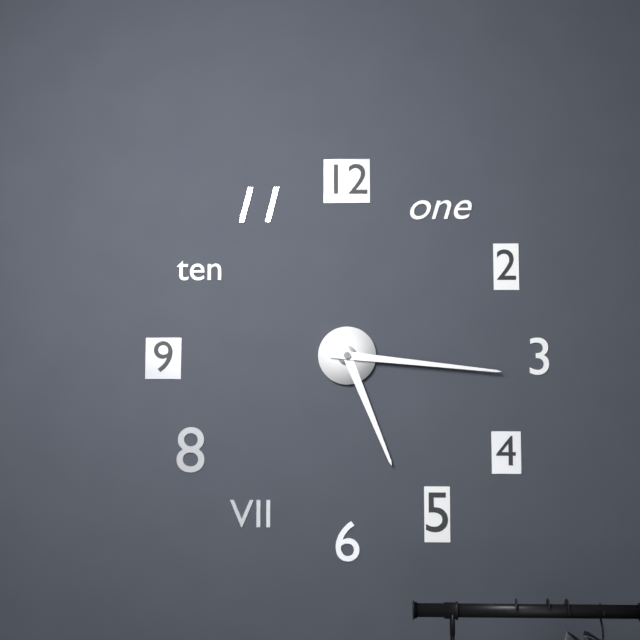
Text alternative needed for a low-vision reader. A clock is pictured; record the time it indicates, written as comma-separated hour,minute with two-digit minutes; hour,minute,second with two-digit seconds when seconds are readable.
5,16
